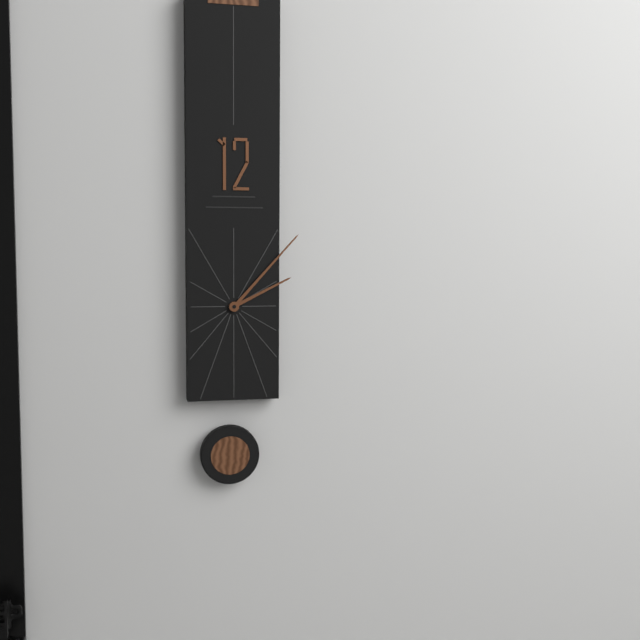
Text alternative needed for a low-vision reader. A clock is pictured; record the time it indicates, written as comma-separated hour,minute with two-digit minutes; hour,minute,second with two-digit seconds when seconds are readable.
2,07
